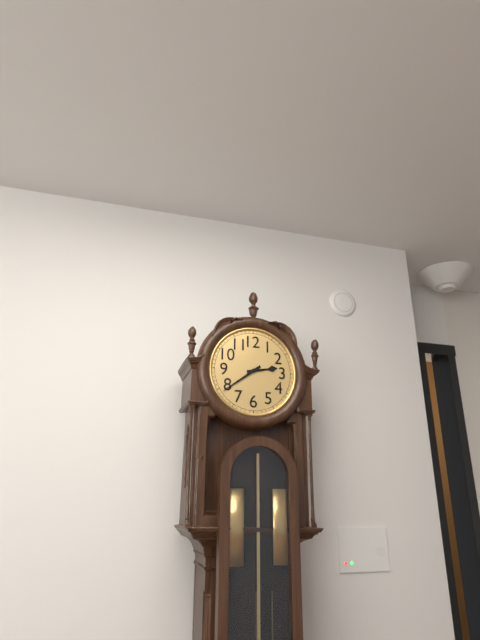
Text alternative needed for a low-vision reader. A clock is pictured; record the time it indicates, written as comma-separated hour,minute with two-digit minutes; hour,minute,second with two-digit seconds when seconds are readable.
2,39
